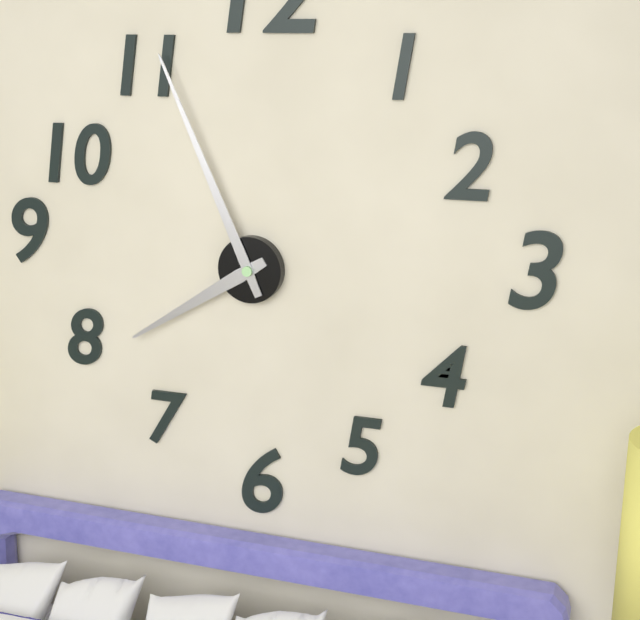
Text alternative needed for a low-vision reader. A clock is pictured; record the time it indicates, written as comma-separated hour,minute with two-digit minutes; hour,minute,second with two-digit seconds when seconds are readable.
7,56
